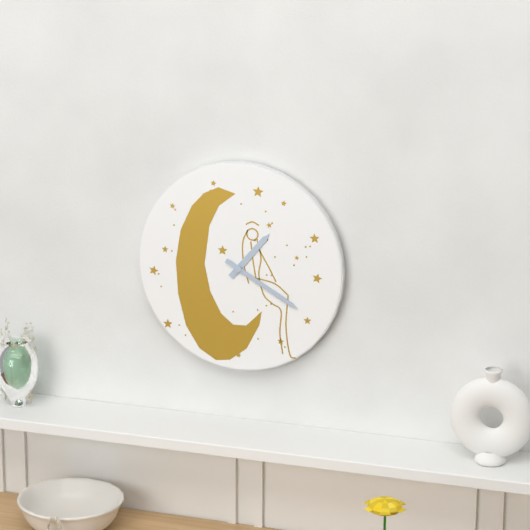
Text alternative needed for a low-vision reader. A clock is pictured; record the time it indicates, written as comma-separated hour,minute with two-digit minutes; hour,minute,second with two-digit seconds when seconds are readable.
1,20
